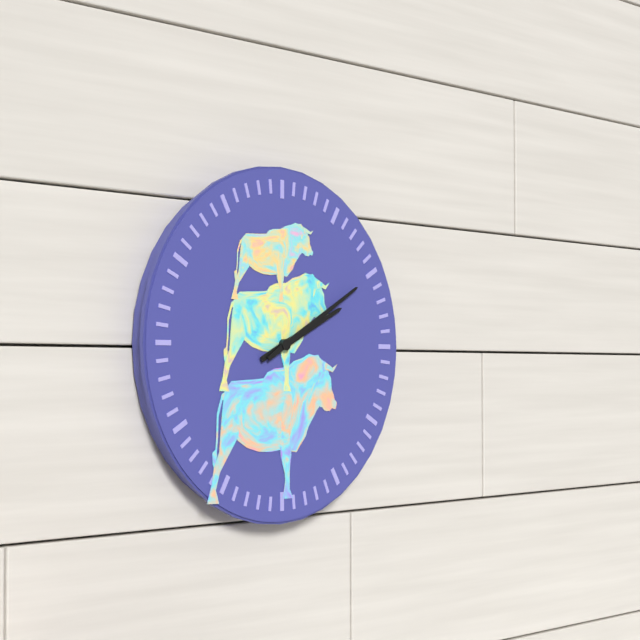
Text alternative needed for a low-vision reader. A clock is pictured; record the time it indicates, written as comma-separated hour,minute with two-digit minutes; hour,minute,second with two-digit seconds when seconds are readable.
2,10
